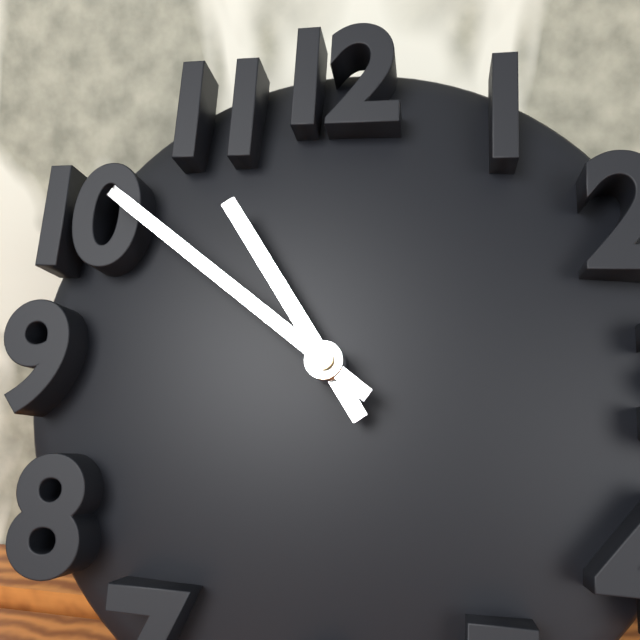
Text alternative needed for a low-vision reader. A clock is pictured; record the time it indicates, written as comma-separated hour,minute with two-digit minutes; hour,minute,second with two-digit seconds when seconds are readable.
10,51
